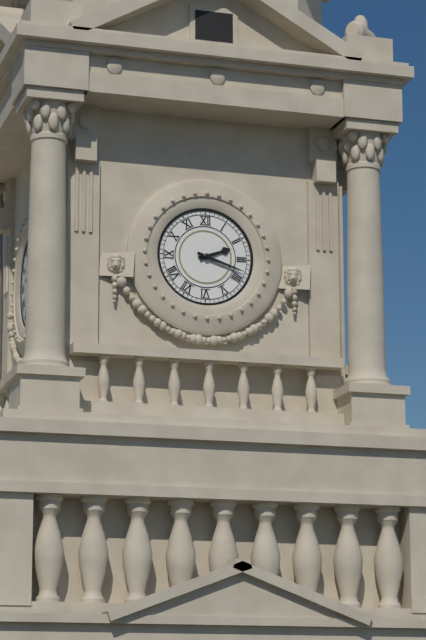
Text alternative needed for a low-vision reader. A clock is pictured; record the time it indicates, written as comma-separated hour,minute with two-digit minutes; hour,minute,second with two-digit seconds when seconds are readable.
2,18
